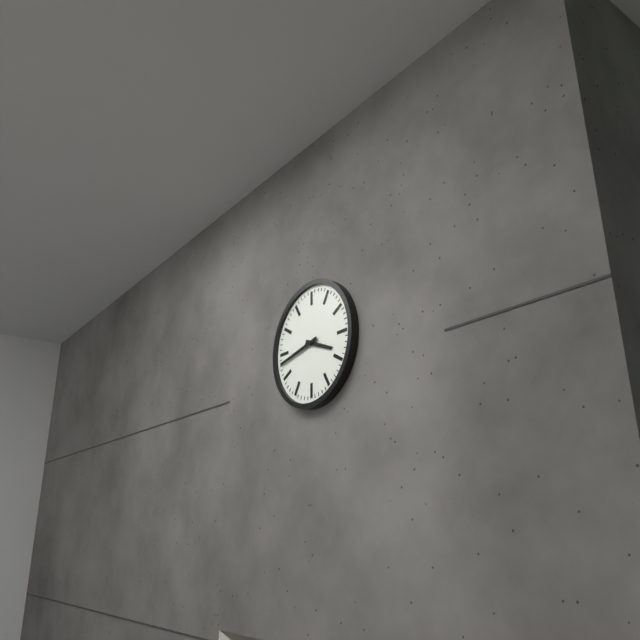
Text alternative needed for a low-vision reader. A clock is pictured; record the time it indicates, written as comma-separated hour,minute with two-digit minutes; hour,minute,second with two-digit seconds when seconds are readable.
3,43
